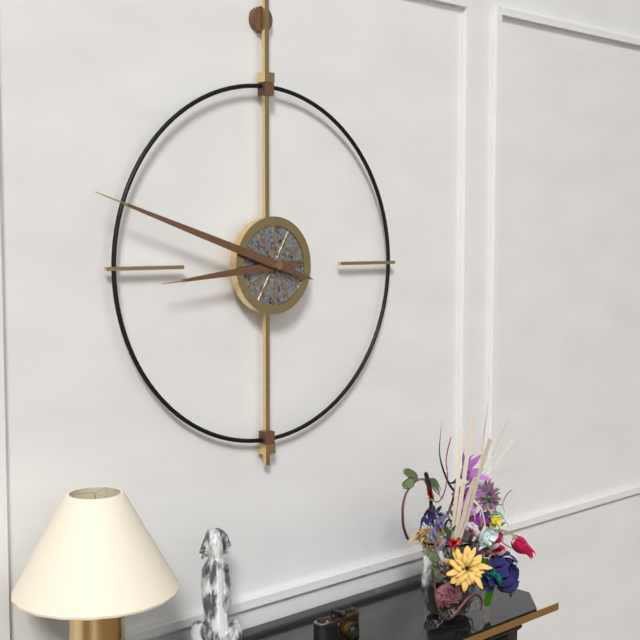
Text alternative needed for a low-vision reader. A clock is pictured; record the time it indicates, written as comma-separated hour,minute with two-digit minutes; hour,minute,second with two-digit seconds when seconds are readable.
8,48
